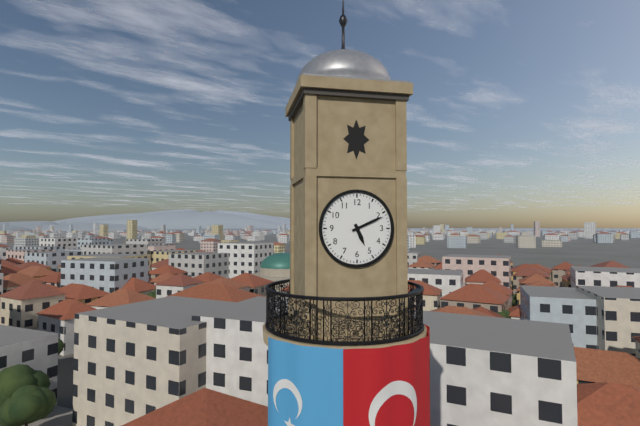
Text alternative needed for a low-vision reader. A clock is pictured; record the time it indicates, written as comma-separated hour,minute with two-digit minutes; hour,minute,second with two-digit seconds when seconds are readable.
5,11
